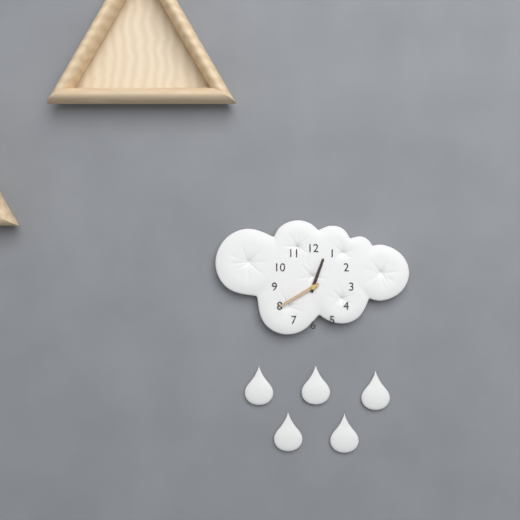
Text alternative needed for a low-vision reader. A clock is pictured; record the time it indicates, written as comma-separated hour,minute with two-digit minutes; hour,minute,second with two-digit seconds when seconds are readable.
12,40
